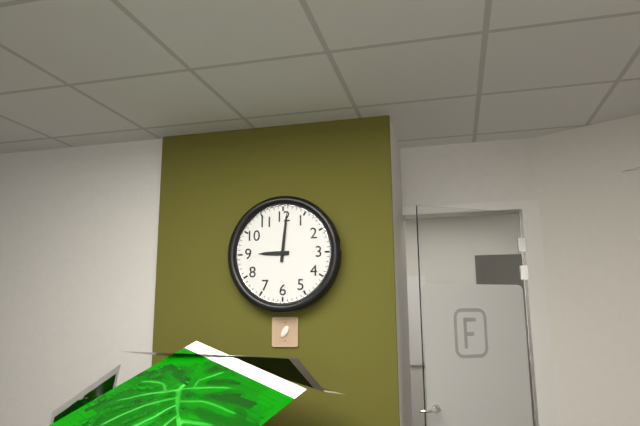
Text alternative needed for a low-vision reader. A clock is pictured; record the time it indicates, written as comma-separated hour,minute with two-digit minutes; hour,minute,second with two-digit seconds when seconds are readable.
9,01
